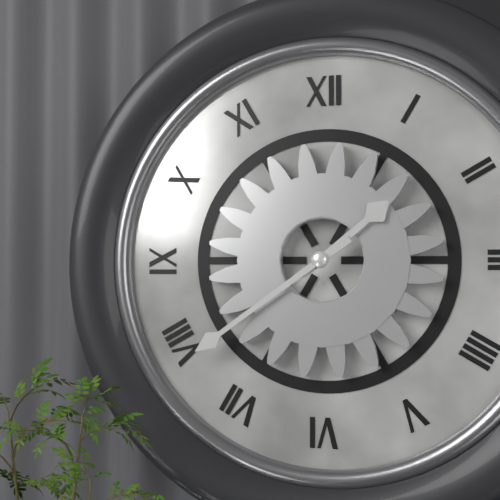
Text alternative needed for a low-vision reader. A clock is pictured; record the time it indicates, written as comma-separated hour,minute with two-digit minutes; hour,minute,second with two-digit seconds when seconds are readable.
1,39
